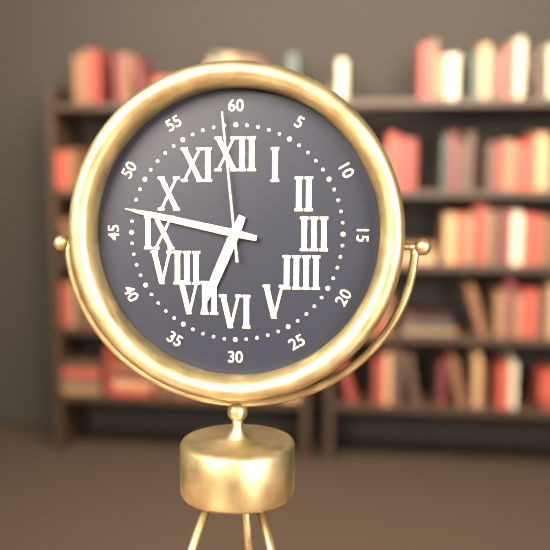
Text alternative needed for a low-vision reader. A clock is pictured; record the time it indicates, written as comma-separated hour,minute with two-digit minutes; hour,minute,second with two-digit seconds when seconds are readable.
6,47,59
